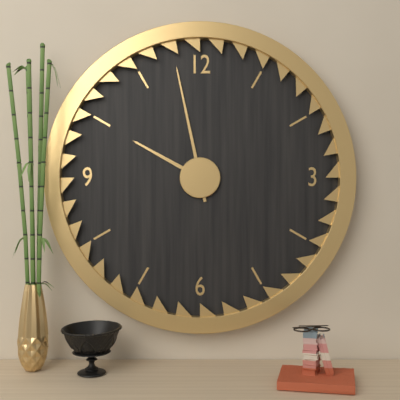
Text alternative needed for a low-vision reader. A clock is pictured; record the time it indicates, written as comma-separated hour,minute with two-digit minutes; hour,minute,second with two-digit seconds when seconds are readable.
9,58
